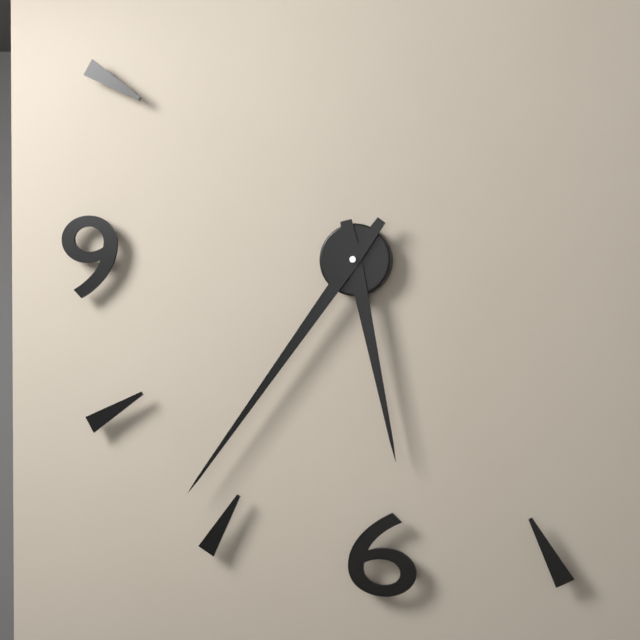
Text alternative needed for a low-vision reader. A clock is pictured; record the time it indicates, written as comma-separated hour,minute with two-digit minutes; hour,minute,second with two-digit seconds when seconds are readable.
5,36
